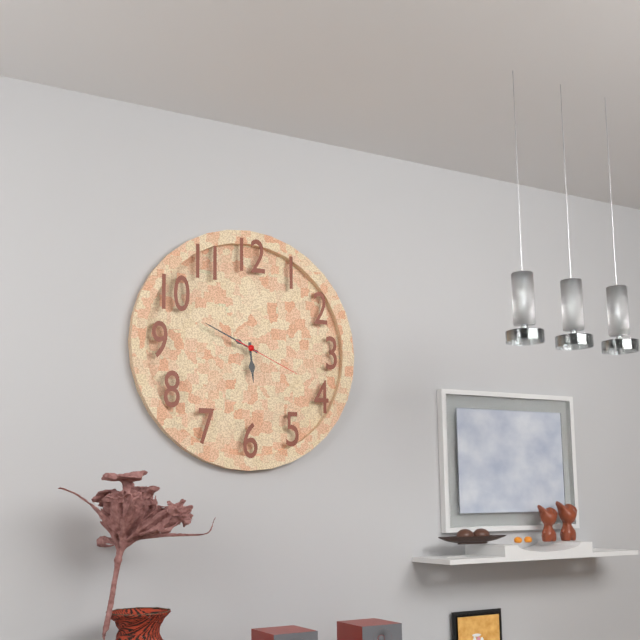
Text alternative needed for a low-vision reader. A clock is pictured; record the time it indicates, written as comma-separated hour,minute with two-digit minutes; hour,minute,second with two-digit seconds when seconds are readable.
5,49,19
